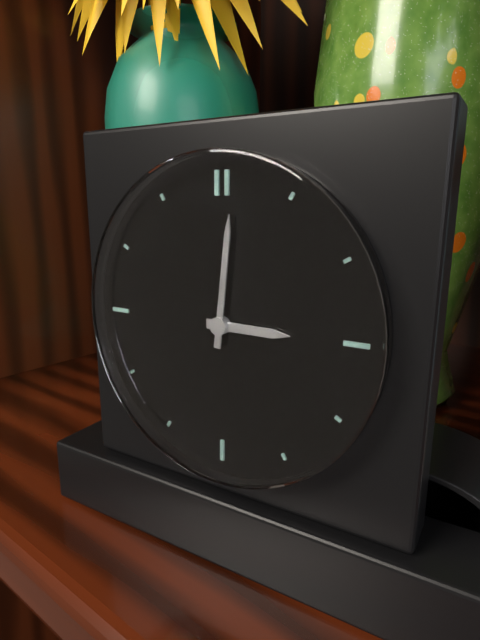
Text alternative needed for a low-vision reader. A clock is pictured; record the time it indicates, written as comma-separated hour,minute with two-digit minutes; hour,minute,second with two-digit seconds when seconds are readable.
3,01
